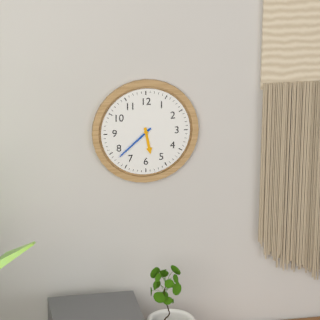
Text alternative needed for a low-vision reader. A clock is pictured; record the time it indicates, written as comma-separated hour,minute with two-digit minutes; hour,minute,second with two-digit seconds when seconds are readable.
5,38
